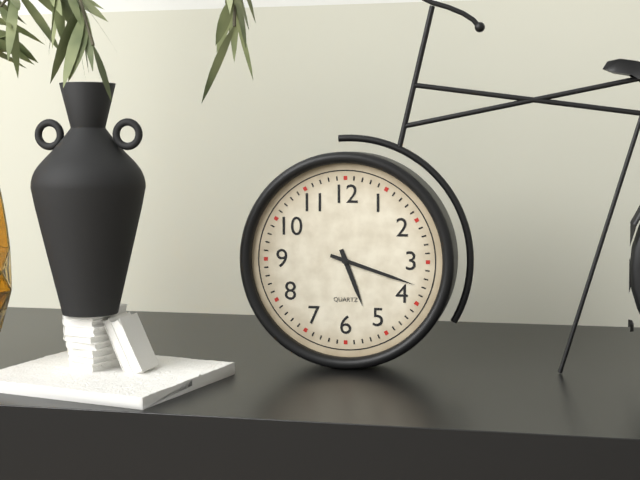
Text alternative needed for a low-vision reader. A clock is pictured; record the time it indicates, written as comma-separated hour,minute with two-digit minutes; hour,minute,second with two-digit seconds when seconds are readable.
5,18
